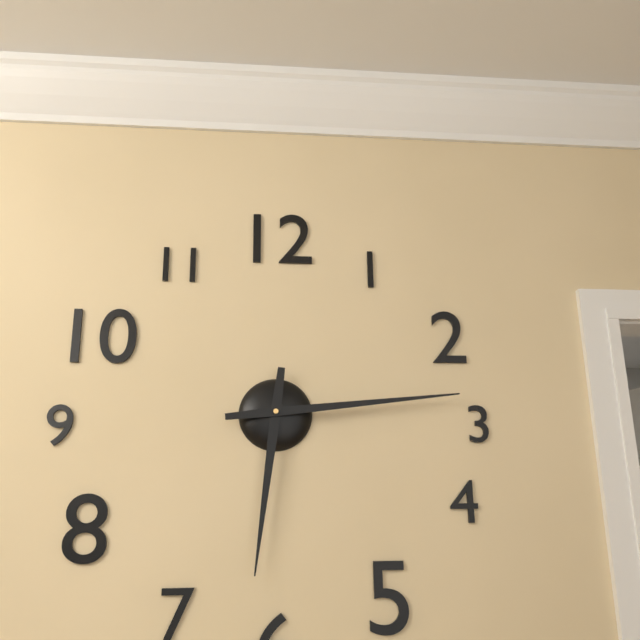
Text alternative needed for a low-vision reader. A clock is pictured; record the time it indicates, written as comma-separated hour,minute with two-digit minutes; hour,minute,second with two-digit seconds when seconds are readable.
6,14
